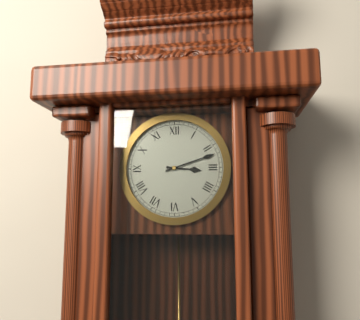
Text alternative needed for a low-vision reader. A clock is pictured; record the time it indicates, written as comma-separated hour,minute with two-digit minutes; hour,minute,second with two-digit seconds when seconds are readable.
3,12
